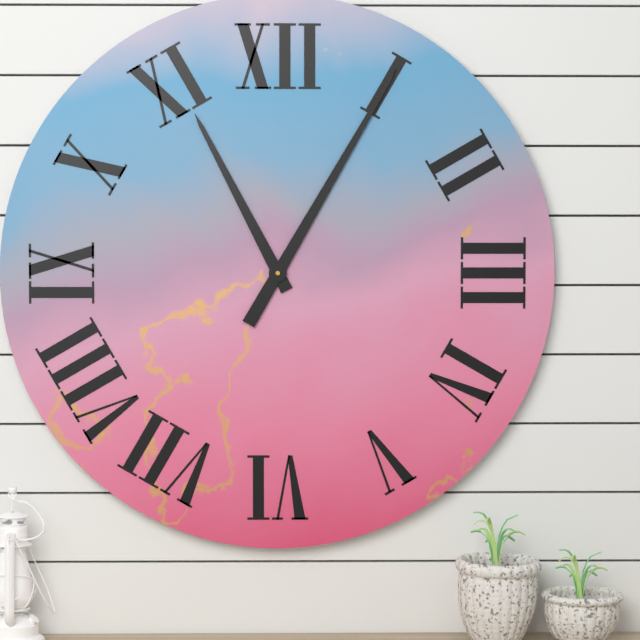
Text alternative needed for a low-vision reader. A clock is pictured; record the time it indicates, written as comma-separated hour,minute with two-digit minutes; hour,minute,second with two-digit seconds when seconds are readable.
11,05
